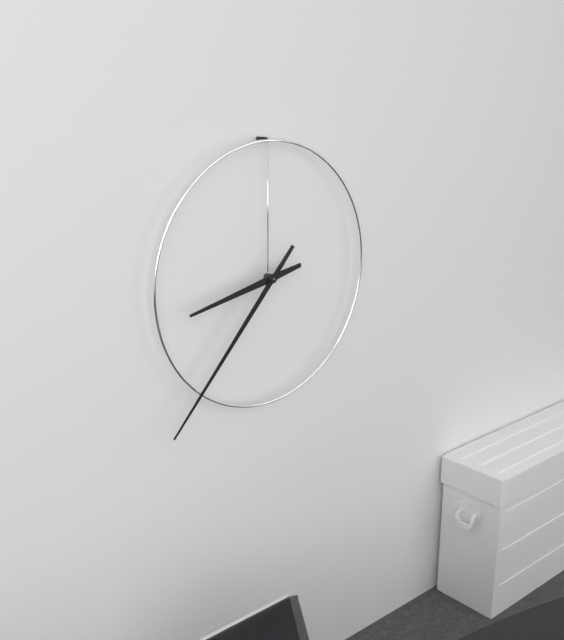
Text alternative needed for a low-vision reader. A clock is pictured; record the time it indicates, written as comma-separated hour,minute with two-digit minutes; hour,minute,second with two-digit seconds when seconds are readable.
8,37
